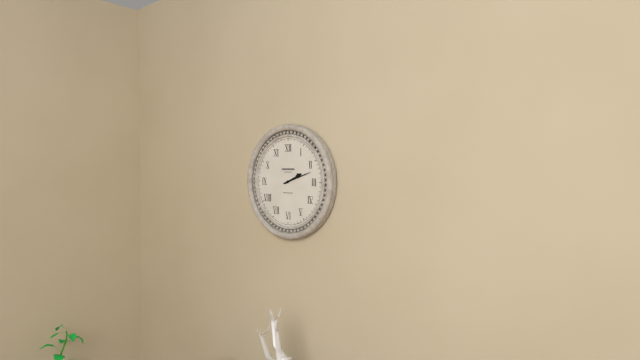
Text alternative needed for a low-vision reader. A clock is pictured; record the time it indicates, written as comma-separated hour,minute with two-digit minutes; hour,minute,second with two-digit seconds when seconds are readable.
2,12
